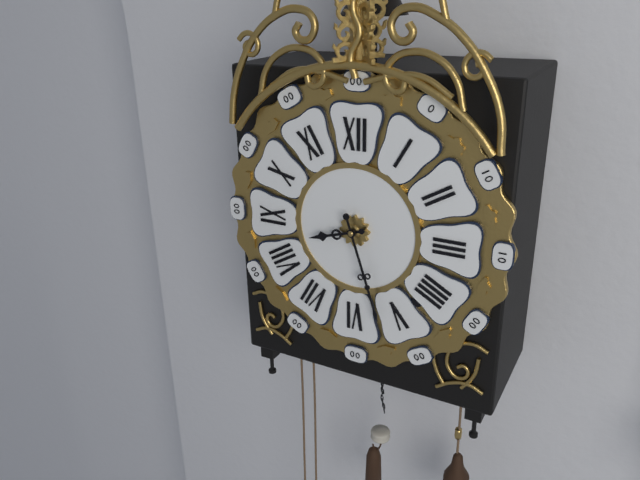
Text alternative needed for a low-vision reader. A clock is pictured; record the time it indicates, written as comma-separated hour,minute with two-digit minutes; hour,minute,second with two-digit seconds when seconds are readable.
8,27
